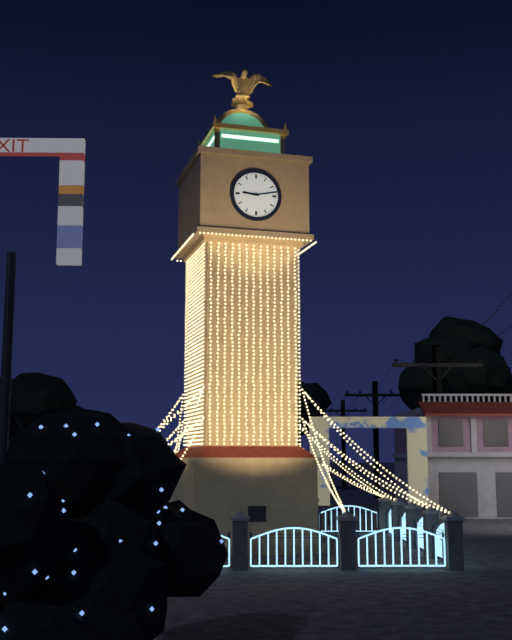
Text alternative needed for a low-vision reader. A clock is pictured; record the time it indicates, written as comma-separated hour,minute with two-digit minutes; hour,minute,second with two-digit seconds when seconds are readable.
9,13
